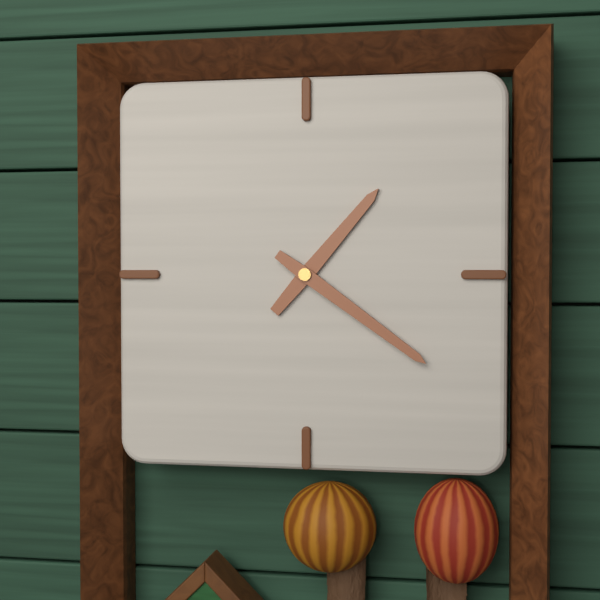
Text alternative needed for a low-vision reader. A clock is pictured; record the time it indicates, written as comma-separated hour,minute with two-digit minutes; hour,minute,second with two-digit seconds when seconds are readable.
1,21
